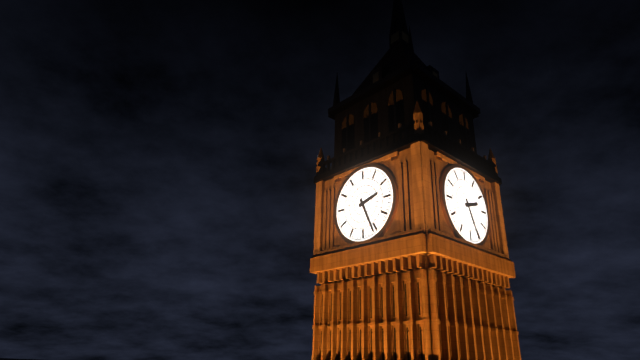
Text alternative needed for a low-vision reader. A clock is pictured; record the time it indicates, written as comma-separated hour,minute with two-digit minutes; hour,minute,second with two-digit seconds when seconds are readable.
2,26
